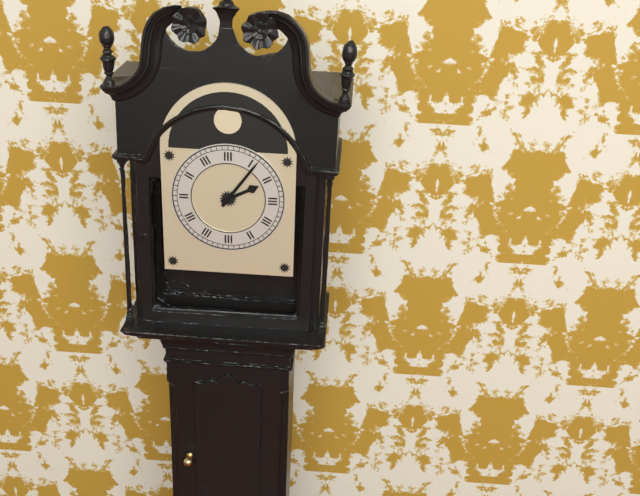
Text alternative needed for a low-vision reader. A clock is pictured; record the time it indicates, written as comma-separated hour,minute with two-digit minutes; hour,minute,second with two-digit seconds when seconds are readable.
2,06
